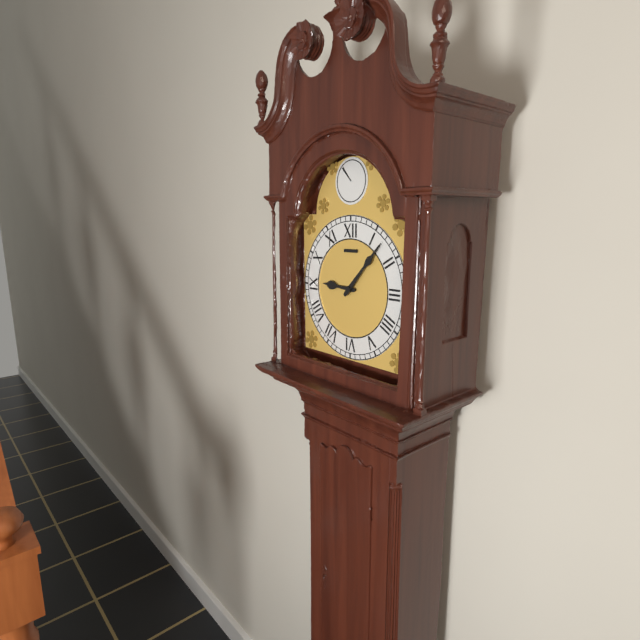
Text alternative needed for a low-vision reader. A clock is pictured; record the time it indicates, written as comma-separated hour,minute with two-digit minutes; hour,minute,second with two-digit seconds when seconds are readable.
9,07
